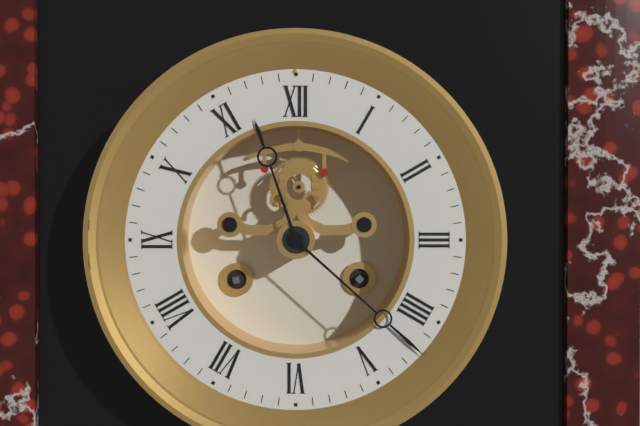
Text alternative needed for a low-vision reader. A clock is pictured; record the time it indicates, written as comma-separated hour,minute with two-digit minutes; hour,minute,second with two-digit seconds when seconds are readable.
11,22
